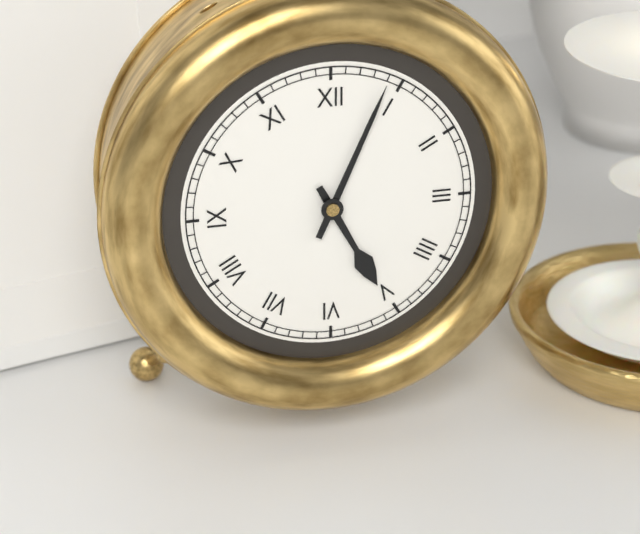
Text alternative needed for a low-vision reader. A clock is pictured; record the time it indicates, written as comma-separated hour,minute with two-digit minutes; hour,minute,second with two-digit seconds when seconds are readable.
5,04
